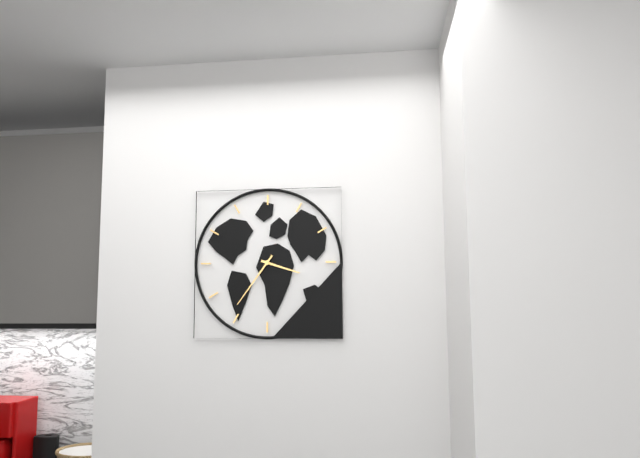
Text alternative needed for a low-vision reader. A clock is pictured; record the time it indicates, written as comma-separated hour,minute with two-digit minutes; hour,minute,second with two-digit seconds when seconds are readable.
3,36
